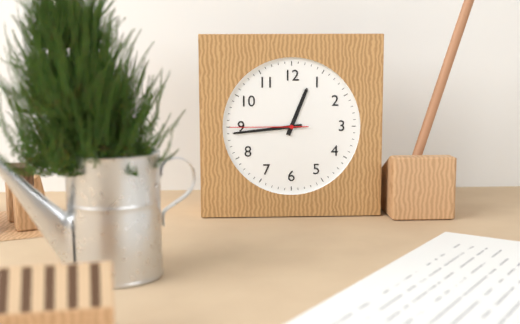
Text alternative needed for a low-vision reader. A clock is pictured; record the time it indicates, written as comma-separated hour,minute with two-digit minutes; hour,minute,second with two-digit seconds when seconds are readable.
12,44,45
